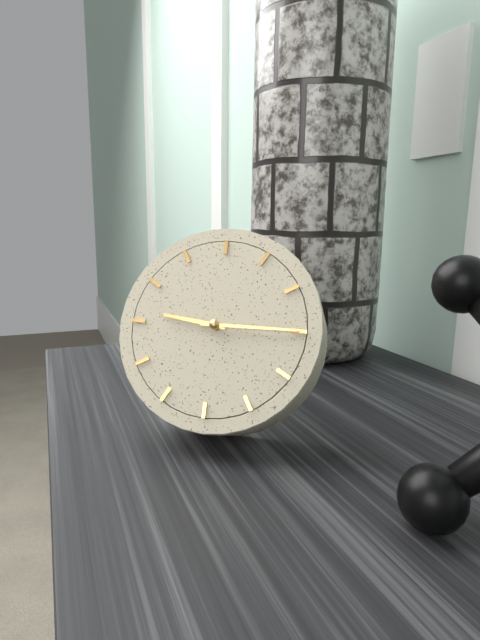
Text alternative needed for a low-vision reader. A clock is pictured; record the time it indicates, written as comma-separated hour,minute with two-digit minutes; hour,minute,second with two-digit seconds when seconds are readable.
9,15
